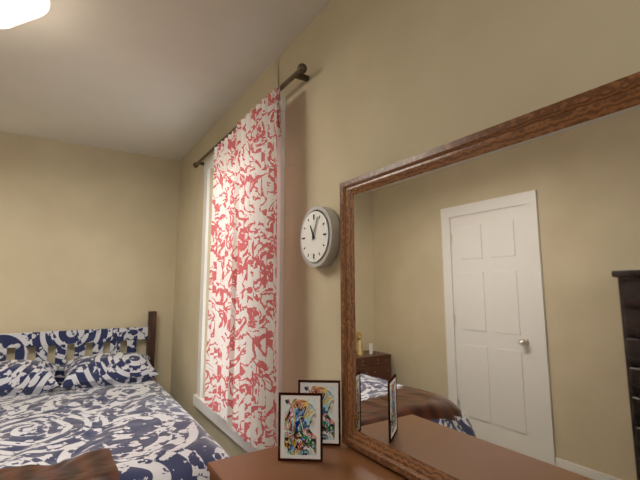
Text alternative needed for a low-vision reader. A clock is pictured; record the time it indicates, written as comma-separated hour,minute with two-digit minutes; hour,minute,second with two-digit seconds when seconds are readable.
11,04
